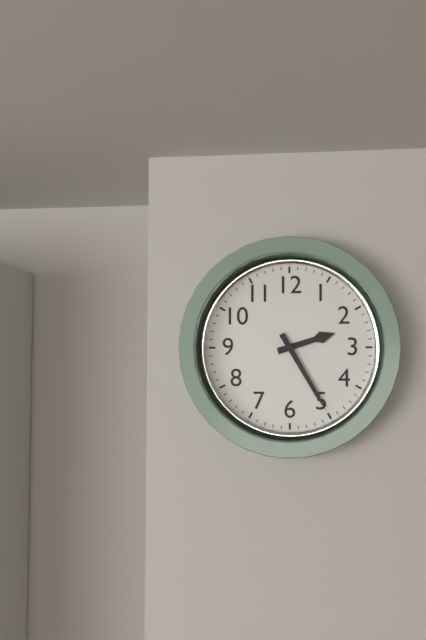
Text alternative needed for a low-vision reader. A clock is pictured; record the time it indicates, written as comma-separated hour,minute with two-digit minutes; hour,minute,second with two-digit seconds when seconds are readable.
2,25
